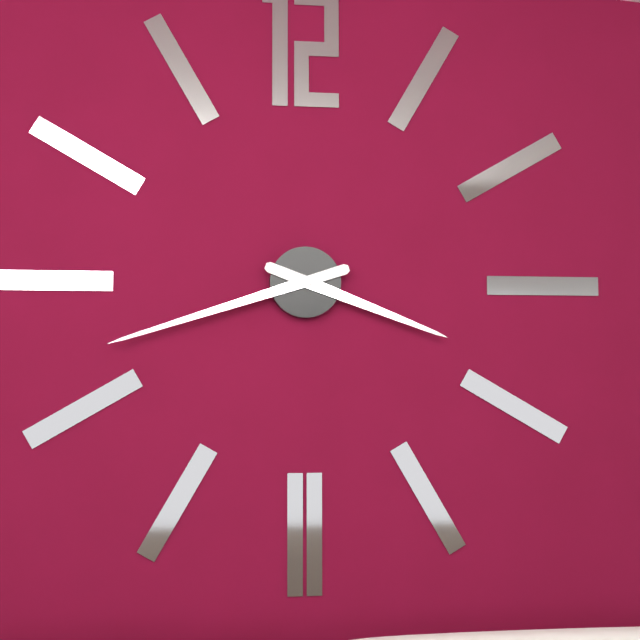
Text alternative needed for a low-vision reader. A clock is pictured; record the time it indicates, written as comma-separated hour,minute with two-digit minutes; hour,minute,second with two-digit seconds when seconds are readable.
3,42
